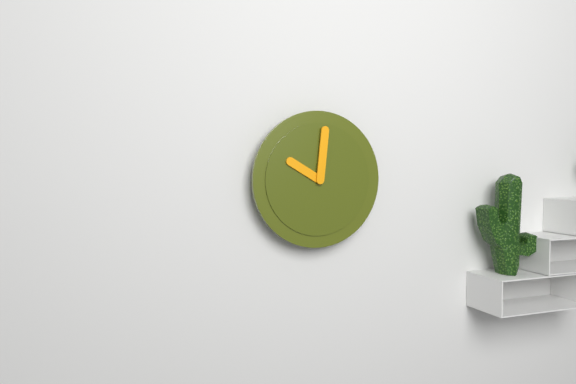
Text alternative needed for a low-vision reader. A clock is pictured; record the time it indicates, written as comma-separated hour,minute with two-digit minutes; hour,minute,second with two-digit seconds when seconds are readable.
10,01
